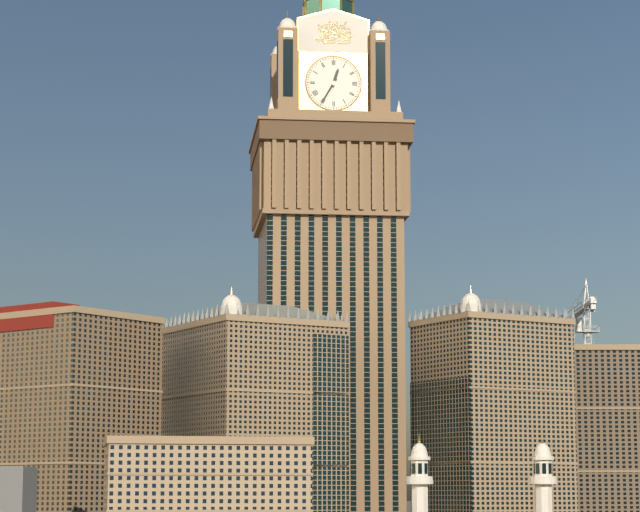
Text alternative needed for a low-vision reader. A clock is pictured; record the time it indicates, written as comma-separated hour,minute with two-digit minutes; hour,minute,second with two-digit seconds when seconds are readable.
12,35
